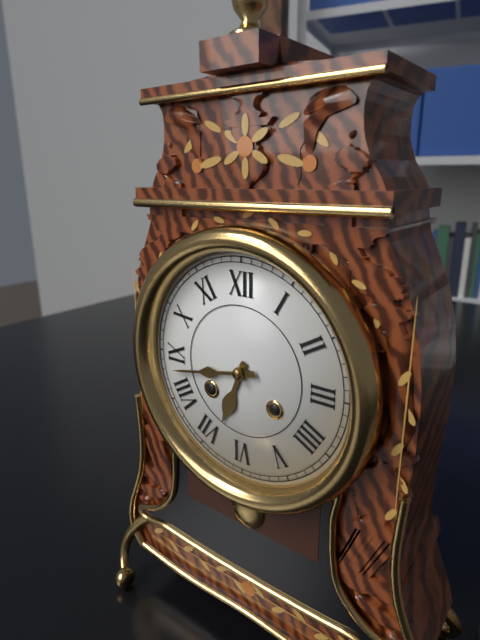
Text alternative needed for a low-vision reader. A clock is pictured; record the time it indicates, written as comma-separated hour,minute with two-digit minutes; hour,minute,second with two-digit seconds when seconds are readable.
6,43
